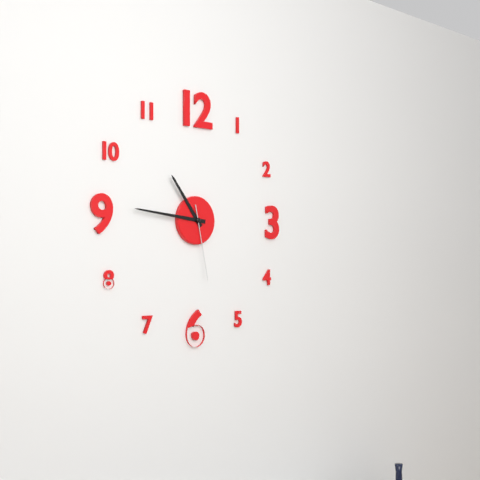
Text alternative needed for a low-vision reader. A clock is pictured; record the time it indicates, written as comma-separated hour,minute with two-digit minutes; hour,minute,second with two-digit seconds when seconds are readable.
10,46,28
